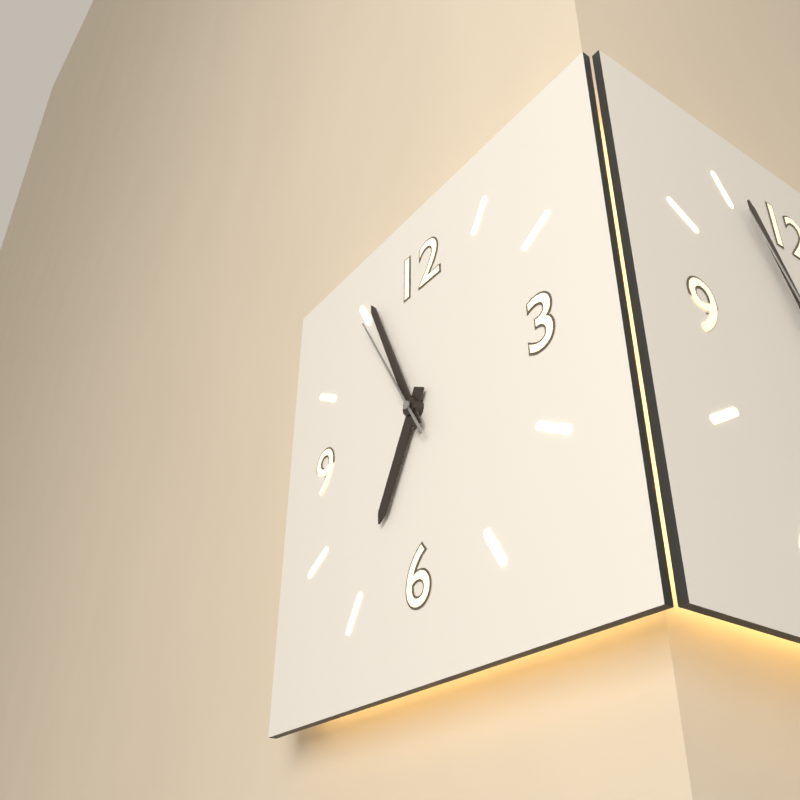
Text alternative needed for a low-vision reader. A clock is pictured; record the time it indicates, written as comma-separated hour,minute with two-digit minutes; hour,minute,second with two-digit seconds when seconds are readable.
6,56,55
